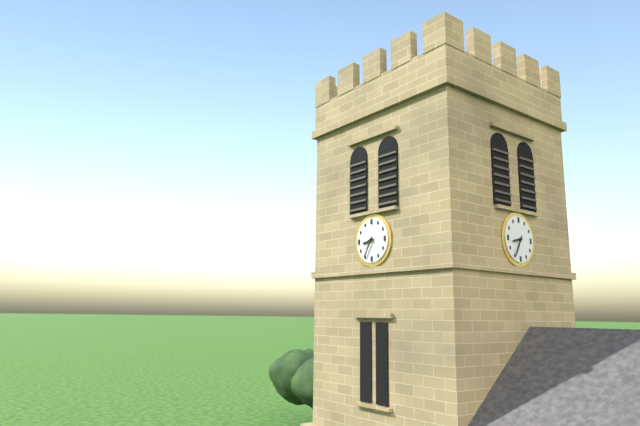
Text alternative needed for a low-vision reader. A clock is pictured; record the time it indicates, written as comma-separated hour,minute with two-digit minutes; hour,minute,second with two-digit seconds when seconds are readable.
8,35
